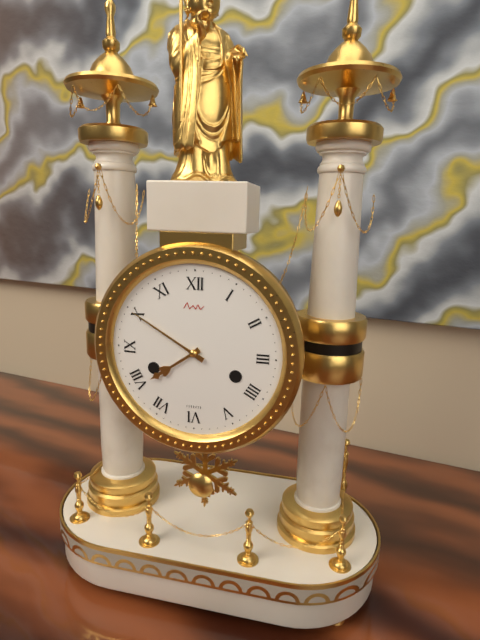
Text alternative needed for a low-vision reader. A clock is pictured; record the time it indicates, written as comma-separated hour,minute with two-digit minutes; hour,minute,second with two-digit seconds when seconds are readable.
7,50
